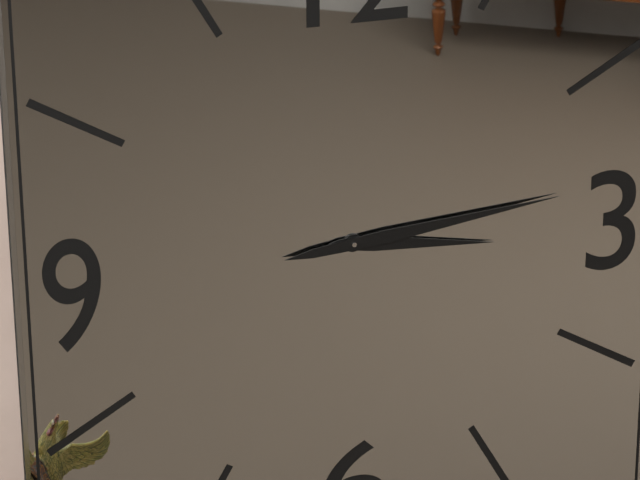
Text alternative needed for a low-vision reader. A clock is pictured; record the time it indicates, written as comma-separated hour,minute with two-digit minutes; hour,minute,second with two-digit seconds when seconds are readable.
3,14
